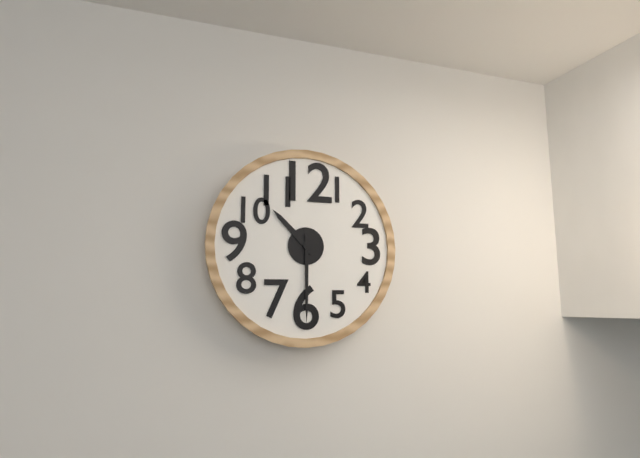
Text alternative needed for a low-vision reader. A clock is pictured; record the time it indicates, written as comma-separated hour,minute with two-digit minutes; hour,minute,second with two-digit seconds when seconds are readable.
10,30
